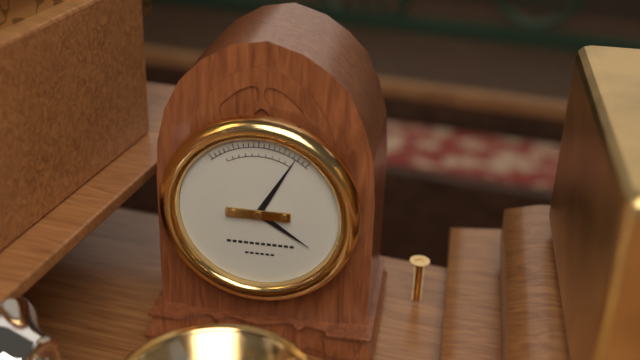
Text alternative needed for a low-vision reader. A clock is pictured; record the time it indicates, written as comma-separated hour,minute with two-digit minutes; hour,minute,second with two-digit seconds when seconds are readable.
4,05
